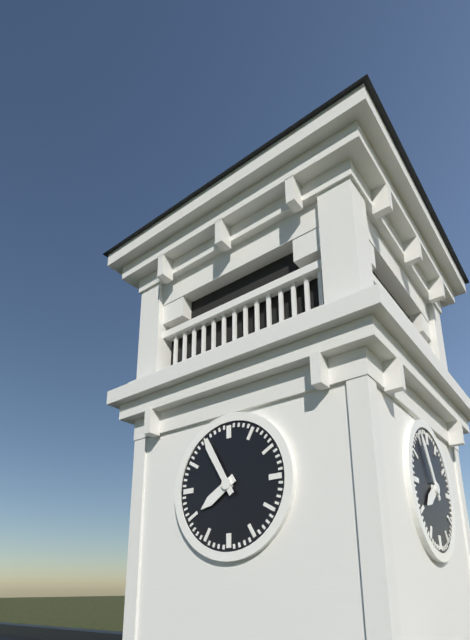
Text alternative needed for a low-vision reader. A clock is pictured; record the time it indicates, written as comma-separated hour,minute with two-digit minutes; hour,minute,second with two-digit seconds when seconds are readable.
7,55
